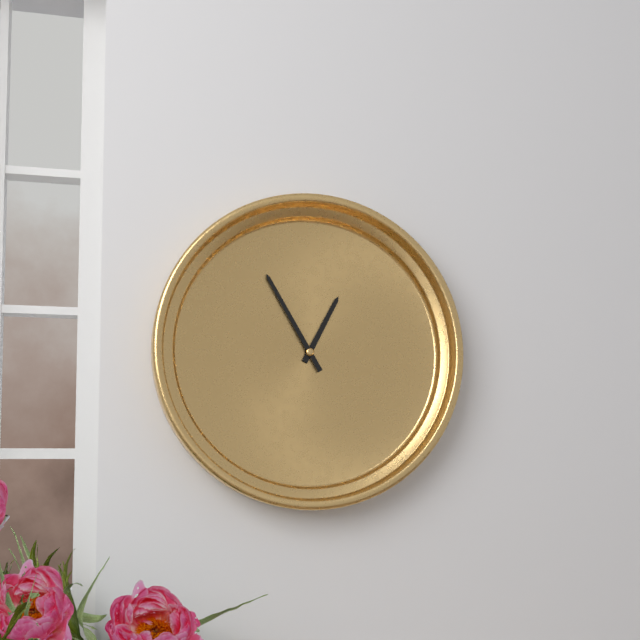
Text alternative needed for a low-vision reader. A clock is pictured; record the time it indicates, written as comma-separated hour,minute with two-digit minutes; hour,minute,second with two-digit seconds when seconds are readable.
12,55
